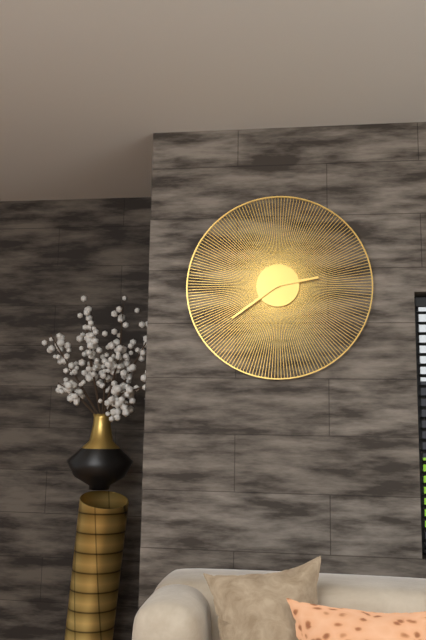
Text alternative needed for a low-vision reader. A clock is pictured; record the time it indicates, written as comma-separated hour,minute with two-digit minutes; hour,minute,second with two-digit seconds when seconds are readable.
2,39
